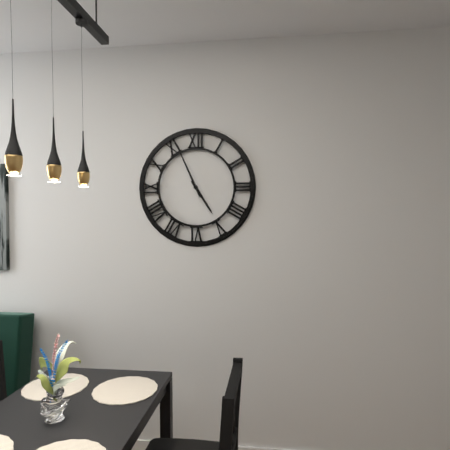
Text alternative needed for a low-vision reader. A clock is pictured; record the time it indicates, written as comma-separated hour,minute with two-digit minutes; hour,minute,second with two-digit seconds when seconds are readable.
4,56
